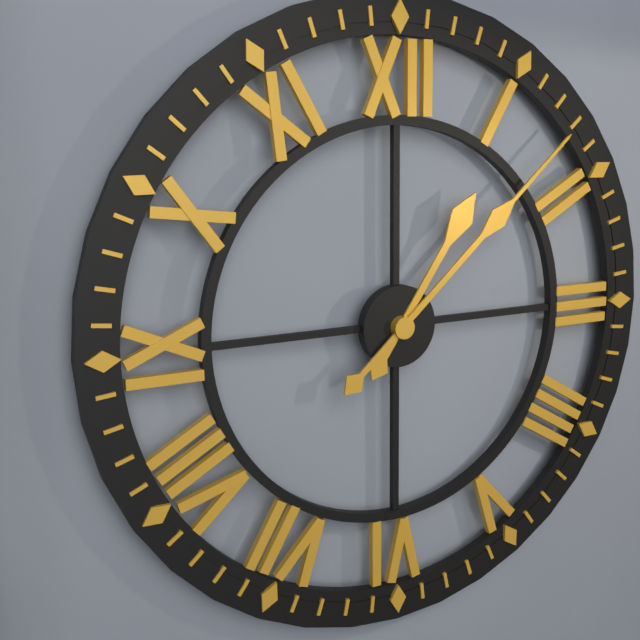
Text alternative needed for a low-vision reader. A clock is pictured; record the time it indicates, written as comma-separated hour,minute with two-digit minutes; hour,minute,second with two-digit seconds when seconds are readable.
1,08
